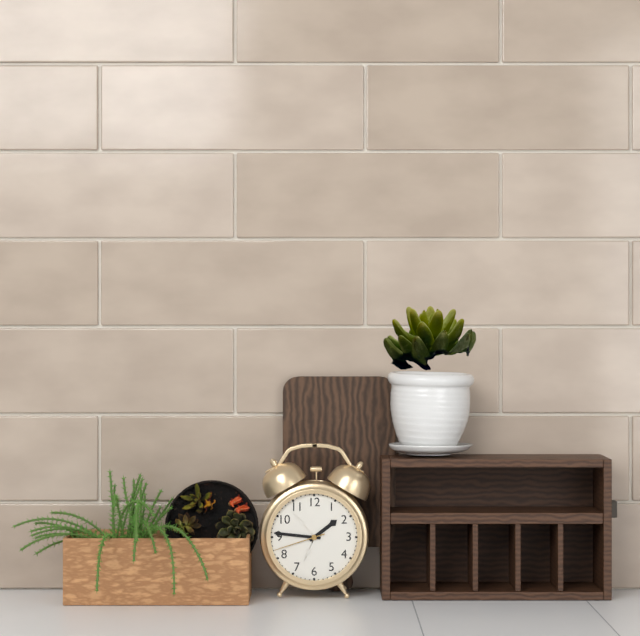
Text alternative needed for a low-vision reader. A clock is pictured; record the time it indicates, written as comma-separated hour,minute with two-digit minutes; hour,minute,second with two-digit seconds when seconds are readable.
1,46,42
